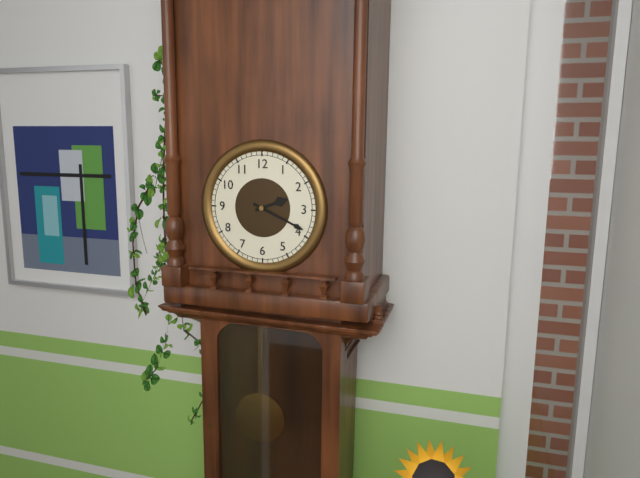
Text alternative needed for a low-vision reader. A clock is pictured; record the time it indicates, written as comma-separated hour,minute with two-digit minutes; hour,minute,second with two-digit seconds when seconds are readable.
2,19
